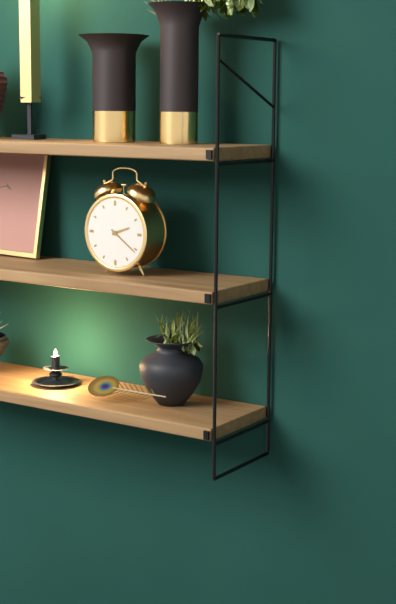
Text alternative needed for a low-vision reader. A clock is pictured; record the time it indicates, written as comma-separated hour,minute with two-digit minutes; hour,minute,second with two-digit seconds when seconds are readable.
2,21
